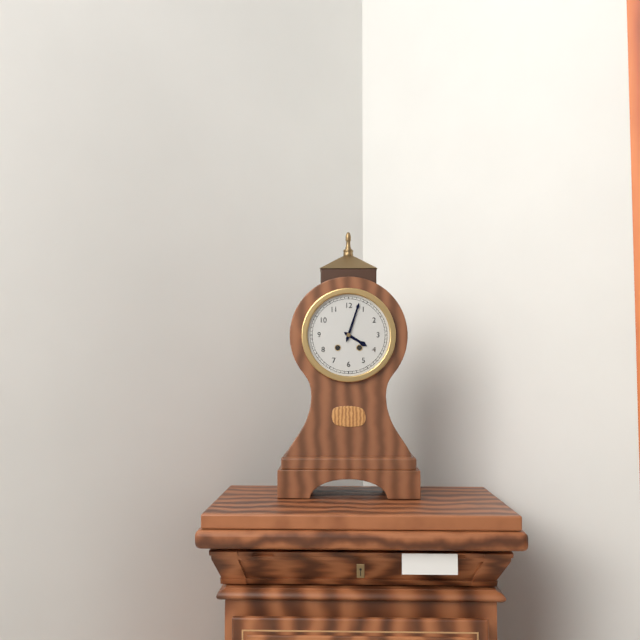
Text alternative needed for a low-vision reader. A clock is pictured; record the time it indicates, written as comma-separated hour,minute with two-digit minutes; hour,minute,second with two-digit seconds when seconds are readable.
4,03
